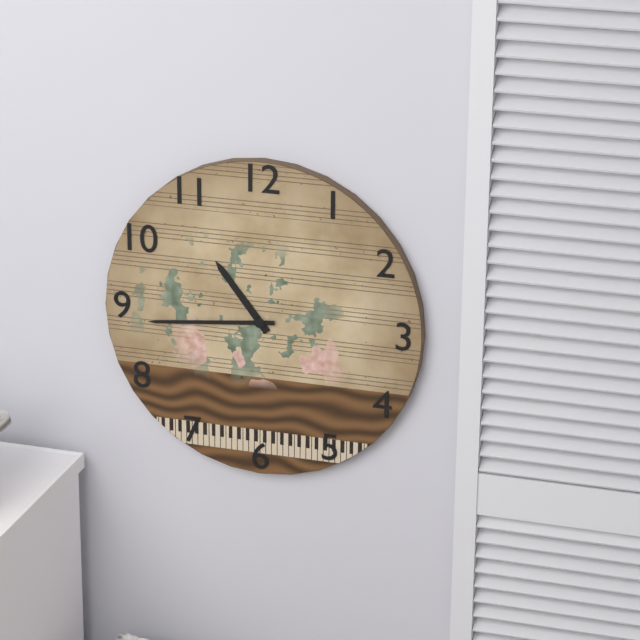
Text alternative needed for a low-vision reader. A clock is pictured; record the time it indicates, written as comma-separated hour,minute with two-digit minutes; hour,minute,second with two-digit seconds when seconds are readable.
10,44
